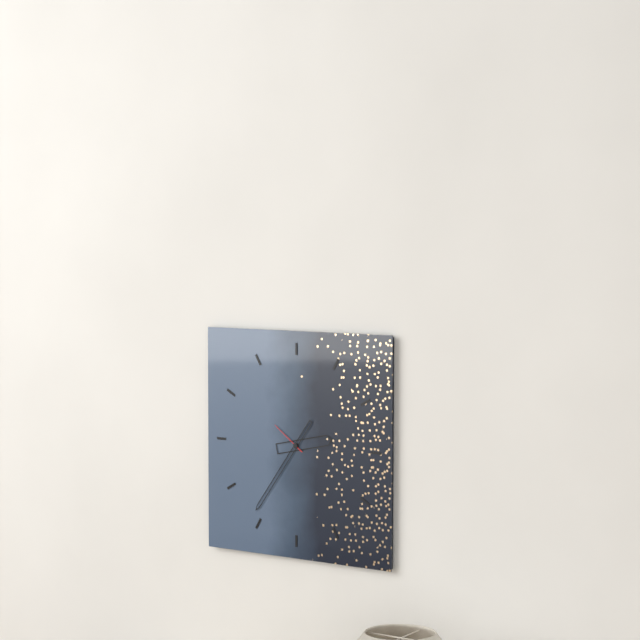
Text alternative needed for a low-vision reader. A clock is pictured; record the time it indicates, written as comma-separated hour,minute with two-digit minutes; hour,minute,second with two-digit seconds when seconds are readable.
2,36
